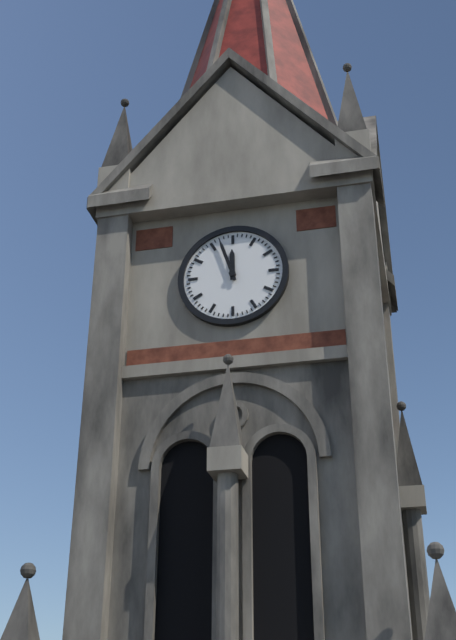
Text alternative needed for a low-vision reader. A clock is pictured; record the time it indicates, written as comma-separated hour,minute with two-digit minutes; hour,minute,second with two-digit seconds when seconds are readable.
11,57
